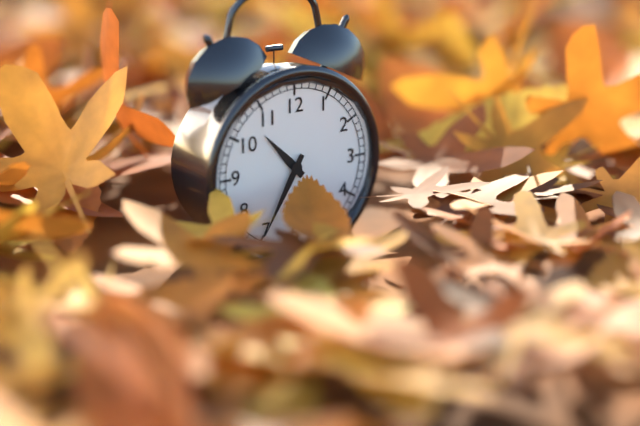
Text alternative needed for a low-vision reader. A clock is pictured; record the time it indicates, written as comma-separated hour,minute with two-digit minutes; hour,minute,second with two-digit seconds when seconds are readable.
10,35
